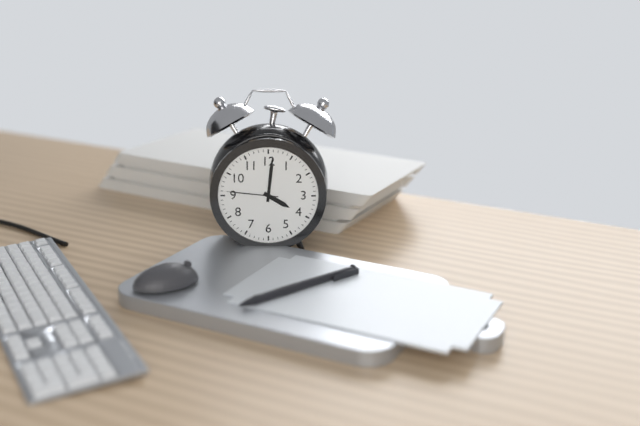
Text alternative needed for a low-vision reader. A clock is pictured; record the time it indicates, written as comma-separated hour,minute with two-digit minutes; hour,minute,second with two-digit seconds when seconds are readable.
4,01,46
